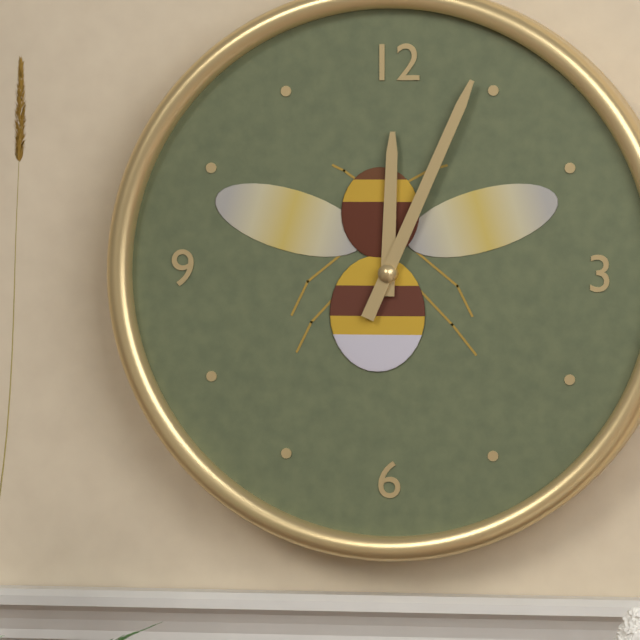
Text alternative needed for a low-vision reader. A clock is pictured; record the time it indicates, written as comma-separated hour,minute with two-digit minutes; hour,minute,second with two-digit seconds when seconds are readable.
12,04
